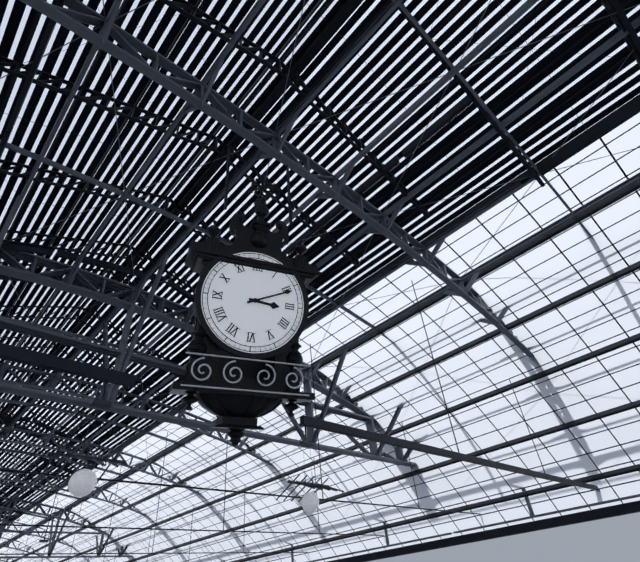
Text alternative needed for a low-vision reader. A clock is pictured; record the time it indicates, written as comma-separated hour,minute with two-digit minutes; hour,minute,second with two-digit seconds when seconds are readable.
3,11
